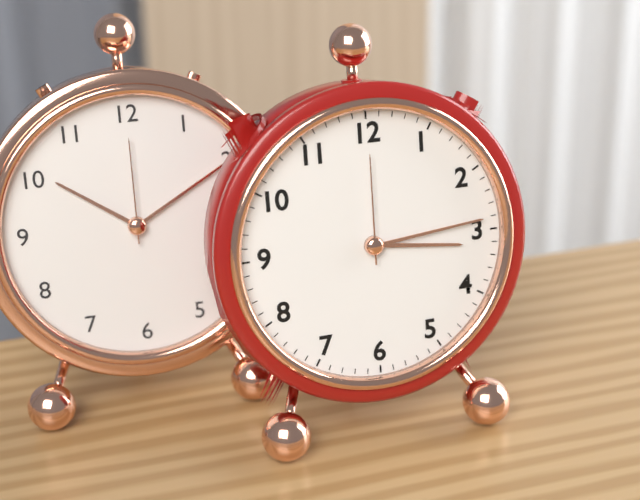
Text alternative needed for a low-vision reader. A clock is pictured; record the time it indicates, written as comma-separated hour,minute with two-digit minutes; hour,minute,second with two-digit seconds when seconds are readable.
3,14,00
